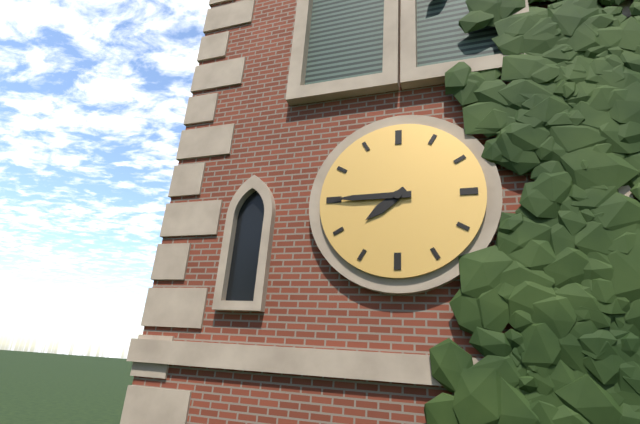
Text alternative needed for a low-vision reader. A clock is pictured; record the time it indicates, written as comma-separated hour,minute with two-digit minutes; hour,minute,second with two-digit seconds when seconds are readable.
7,45
